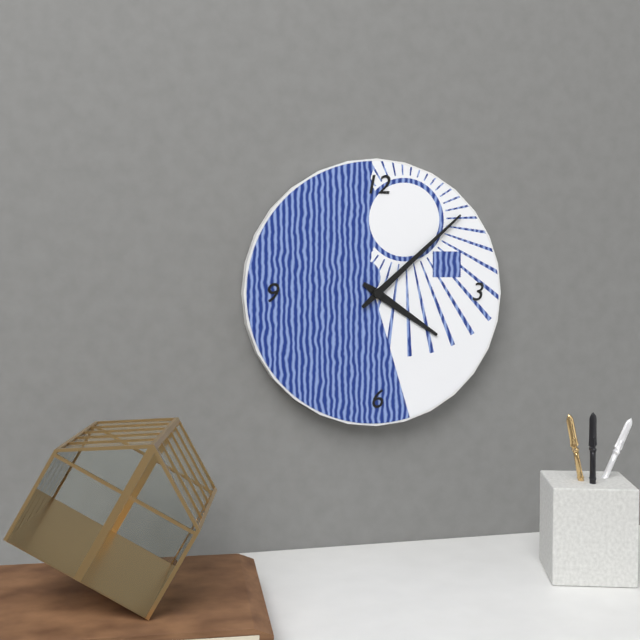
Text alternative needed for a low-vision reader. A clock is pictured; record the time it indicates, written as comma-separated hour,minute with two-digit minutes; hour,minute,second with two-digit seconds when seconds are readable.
4,08
